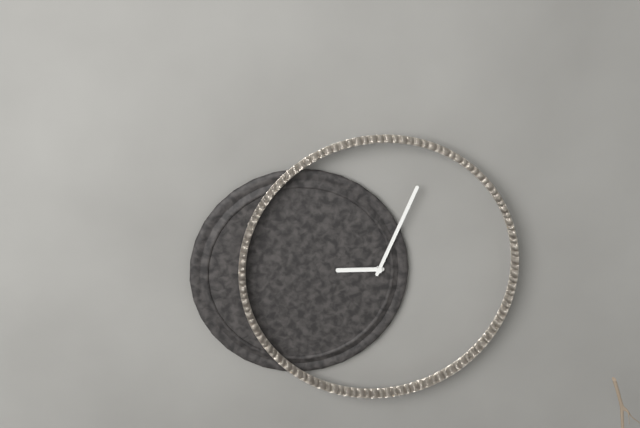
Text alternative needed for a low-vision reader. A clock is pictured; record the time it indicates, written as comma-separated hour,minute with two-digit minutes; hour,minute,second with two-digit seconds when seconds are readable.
9,04
